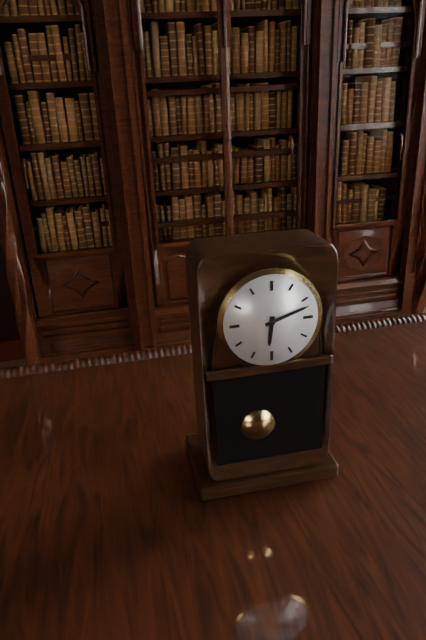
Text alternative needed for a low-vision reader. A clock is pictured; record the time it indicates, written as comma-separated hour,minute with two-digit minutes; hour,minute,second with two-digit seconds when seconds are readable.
6,12
